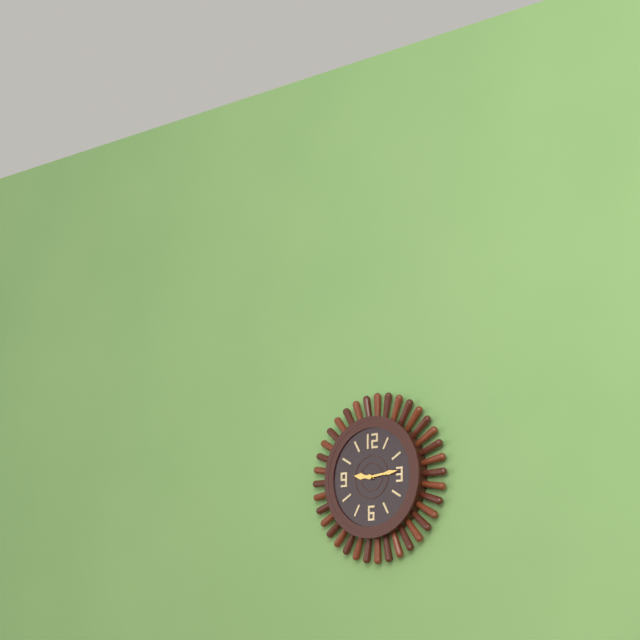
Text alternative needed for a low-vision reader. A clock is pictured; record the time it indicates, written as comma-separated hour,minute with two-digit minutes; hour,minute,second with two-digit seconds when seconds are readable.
9,14
